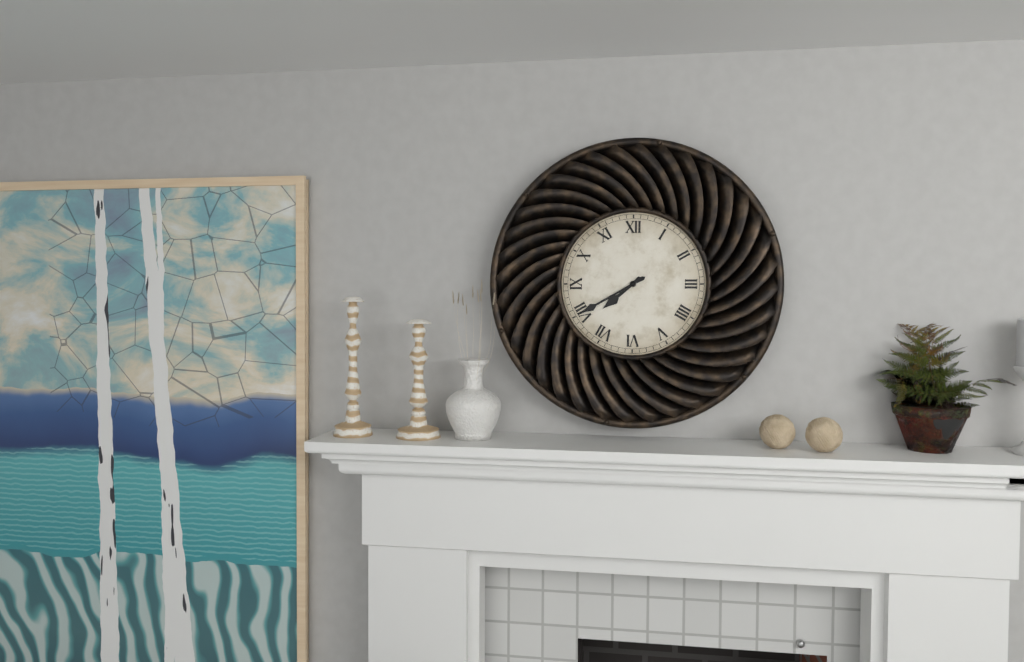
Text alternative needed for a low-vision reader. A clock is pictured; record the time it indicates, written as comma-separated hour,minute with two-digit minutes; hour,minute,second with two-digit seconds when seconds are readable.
7,40
